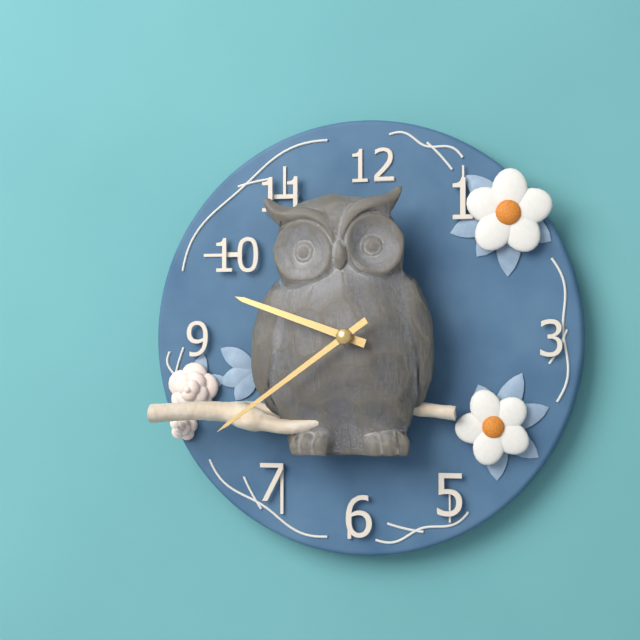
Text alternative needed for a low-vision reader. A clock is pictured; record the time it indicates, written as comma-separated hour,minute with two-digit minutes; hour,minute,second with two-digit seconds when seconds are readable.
9,39
